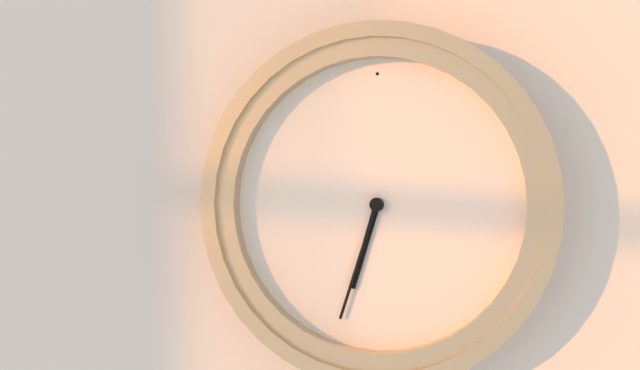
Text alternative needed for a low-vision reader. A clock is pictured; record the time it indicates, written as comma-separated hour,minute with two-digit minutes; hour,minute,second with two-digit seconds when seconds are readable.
6,33
